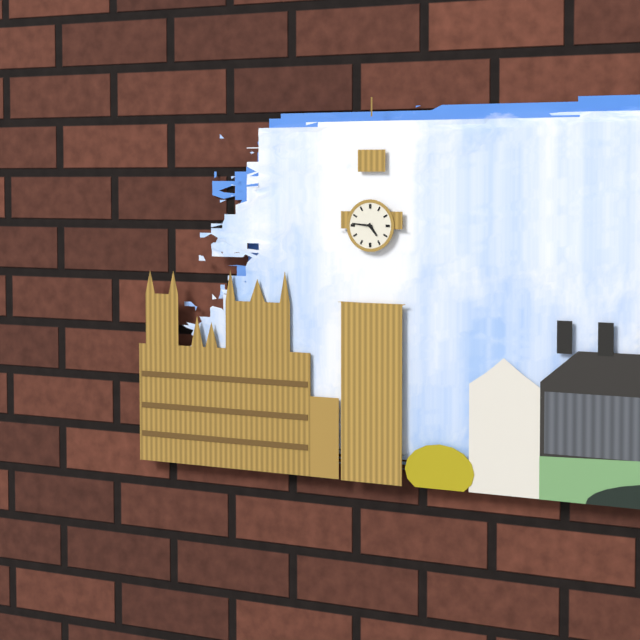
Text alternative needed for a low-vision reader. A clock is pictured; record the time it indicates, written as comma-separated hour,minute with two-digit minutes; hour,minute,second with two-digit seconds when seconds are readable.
4,46
